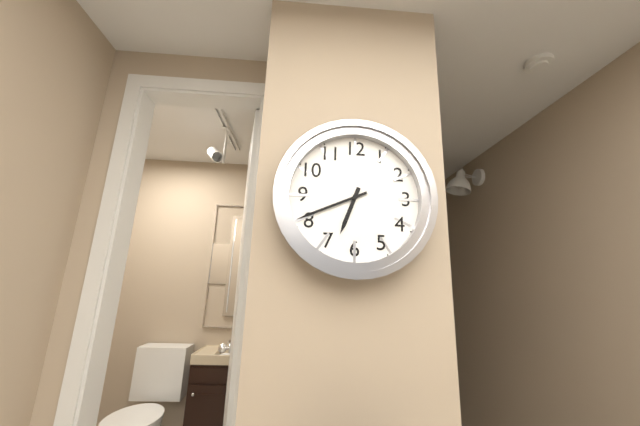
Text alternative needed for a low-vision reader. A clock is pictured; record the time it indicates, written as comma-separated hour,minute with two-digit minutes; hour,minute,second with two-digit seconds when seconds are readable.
6,41
